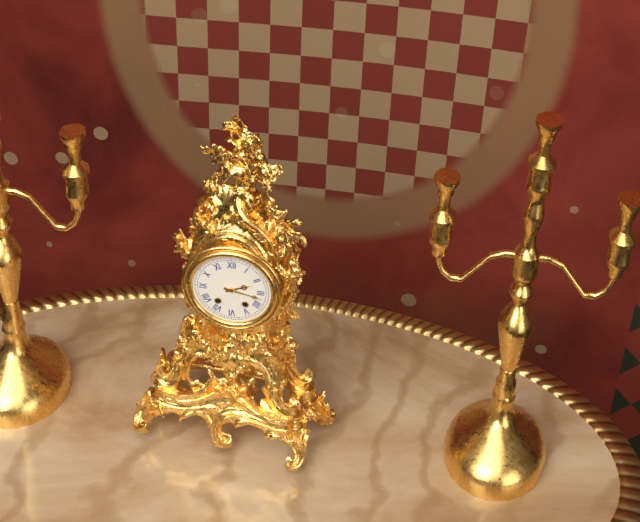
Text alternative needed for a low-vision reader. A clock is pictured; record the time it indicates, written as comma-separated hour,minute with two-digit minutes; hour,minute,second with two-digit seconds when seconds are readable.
2,17
